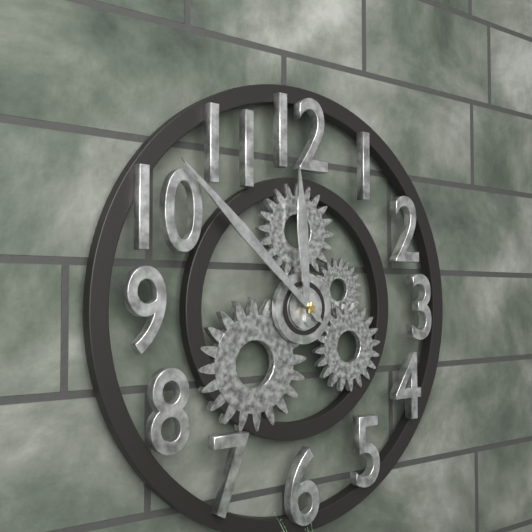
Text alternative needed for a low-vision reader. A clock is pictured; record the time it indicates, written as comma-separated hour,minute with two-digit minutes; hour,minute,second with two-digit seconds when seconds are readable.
11,52
